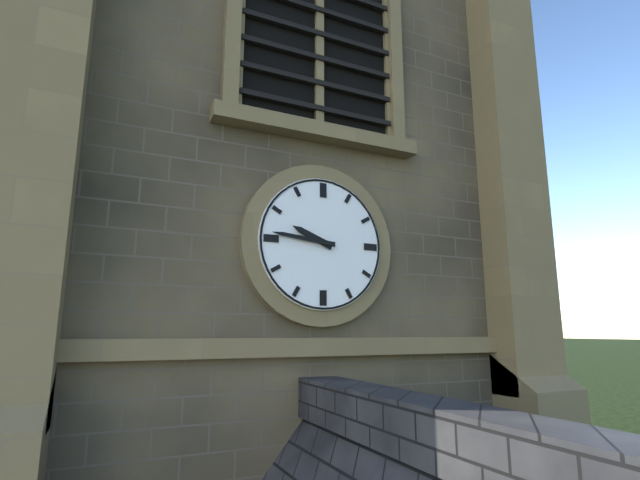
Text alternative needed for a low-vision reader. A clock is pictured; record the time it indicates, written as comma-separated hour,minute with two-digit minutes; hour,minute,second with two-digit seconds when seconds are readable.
9,46
